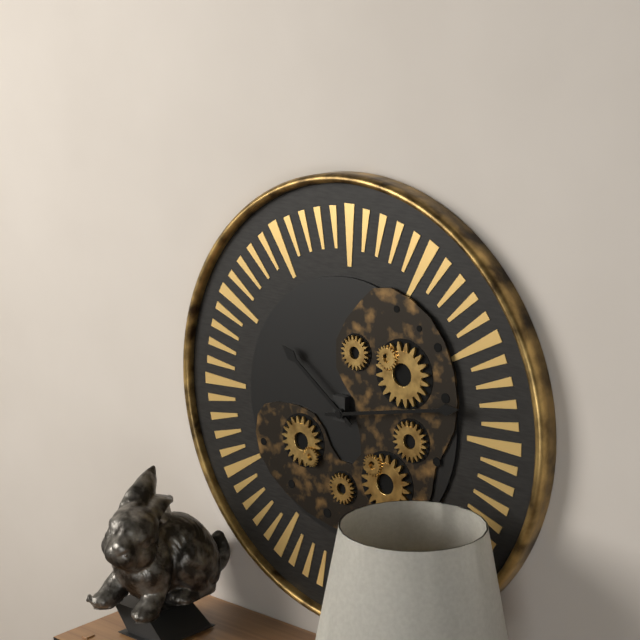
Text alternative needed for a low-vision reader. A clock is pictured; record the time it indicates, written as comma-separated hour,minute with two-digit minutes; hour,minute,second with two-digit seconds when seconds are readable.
10,13
